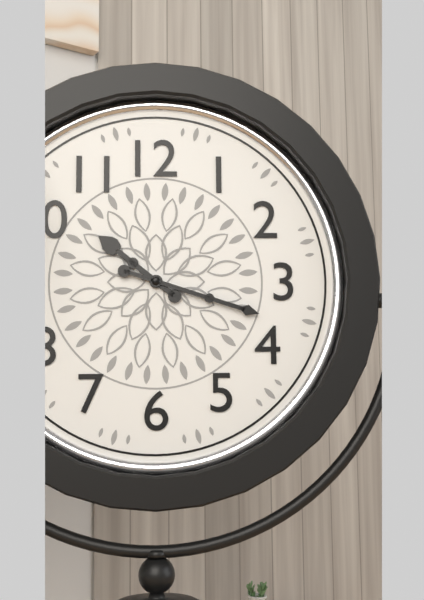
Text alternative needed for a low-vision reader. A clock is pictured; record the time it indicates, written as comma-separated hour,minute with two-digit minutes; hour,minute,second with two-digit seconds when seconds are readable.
10,18
